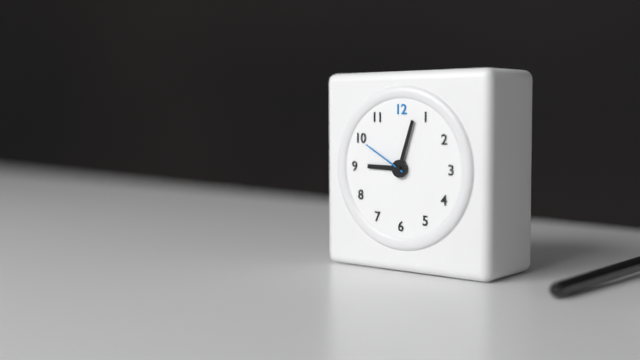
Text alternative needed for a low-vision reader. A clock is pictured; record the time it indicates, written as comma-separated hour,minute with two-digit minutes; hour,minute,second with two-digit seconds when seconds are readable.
9,03,50
